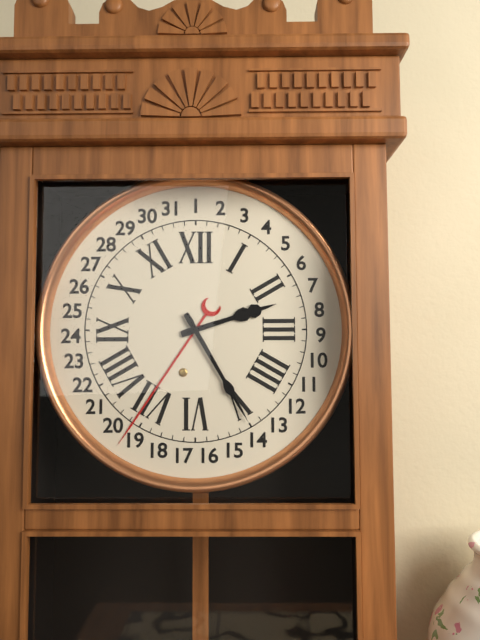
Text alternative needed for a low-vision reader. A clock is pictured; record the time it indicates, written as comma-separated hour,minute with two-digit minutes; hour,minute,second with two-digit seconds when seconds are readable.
2,25
